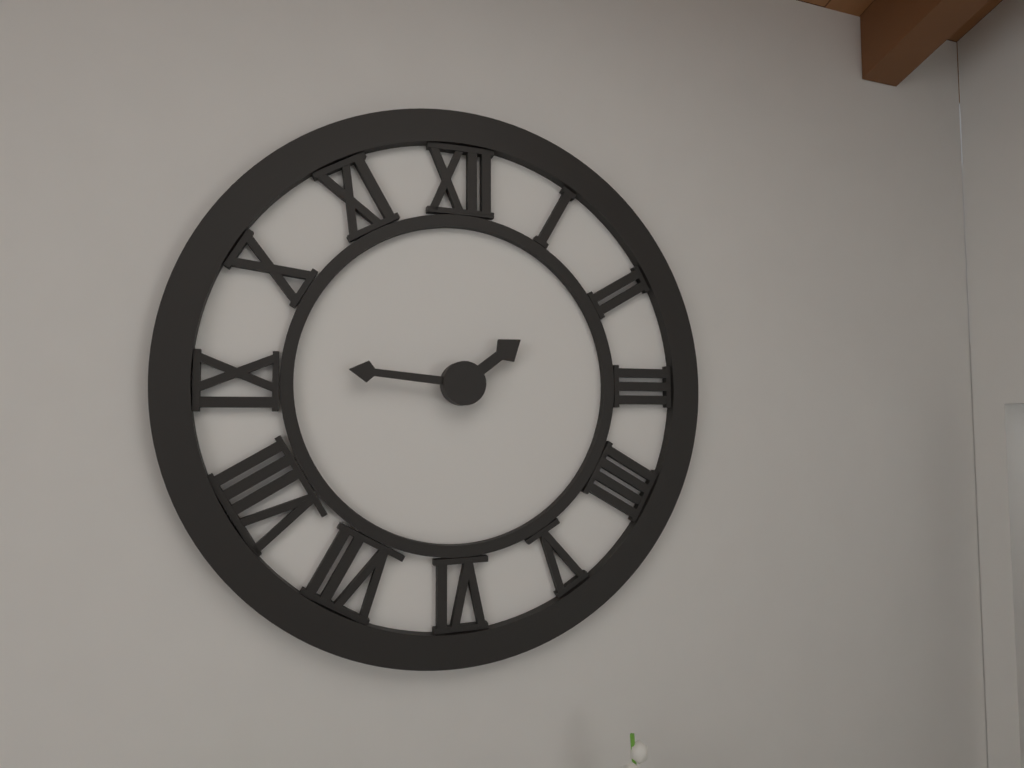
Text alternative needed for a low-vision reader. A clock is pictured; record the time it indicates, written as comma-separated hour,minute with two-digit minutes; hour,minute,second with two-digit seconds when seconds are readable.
1,46
